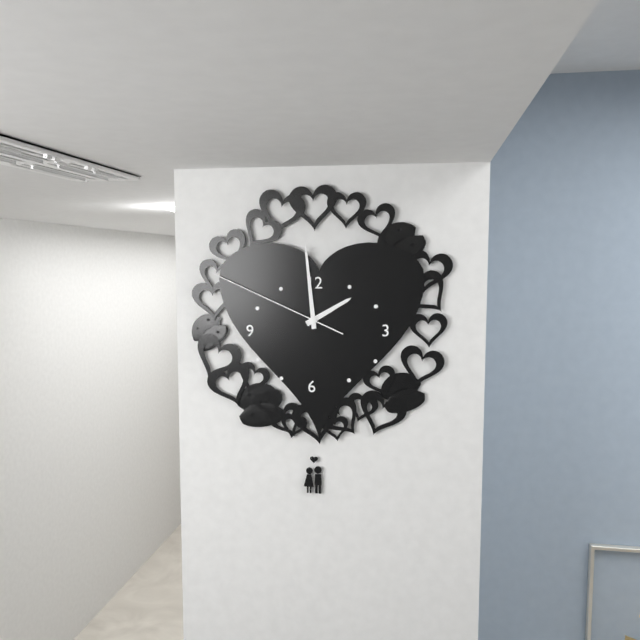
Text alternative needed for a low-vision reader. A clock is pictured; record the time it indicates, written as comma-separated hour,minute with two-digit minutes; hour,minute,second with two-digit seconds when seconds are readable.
1,59,49
